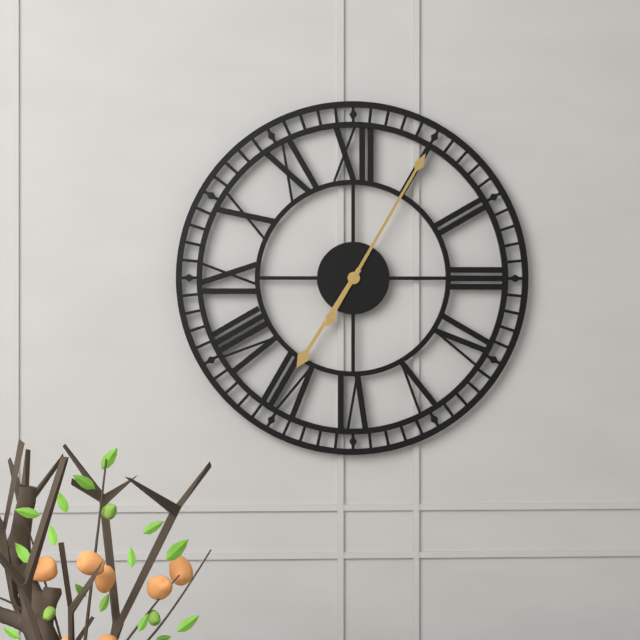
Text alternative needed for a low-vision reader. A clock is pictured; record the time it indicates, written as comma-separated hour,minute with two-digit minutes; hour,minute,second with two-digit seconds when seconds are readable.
7,05
